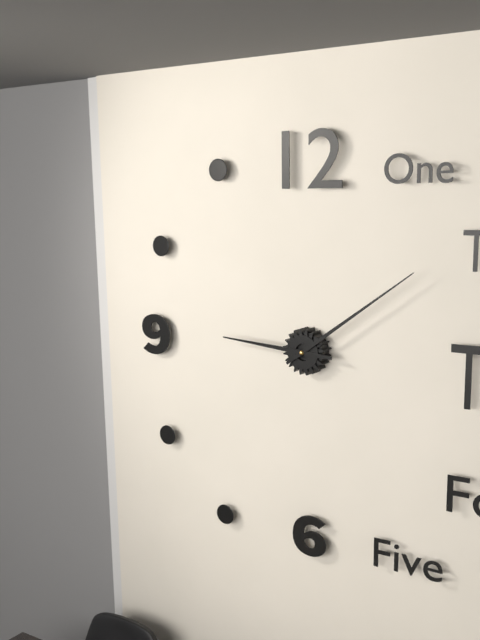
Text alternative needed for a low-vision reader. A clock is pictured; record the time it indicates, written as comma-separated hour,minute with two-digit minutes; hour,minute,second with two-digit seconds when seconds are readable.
9,09
